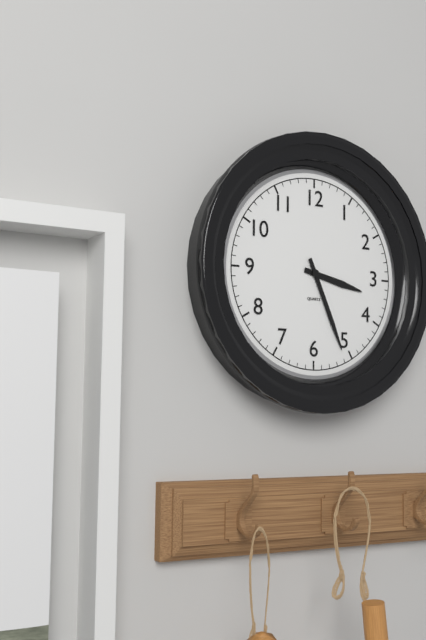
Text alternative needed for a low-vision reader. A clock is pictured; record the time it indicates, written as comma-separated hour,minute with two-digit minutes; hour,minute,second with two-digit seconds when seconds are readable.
3,26
